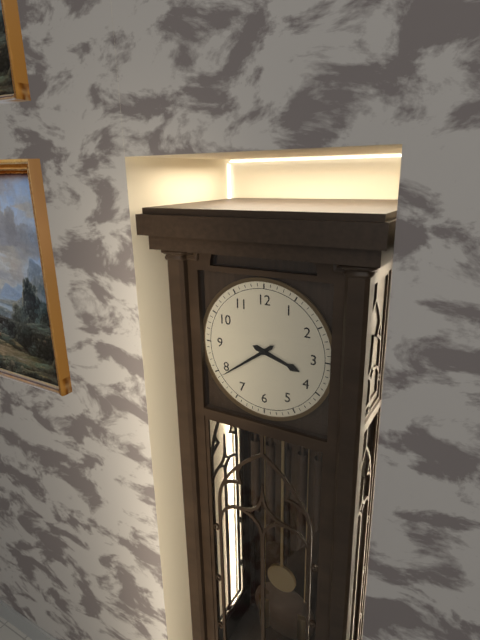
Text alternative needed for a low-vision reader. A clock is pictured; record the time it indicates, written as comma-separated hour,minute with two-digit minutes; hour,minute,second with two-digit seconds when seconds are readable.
3,39
